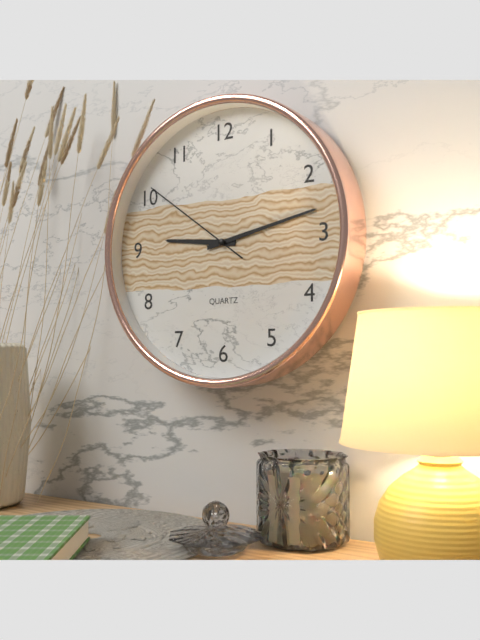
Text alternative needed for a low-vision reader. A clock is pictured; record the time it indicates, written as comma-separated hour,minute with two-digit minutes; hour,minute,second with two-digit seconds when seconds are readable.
9,13,51
